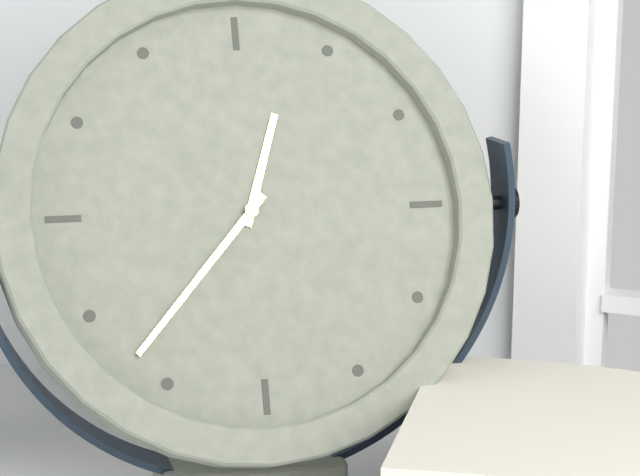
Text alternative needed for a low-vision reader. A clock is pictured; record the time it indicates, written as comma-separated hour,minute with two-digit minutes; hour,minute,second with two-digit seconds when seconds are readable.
12,37
